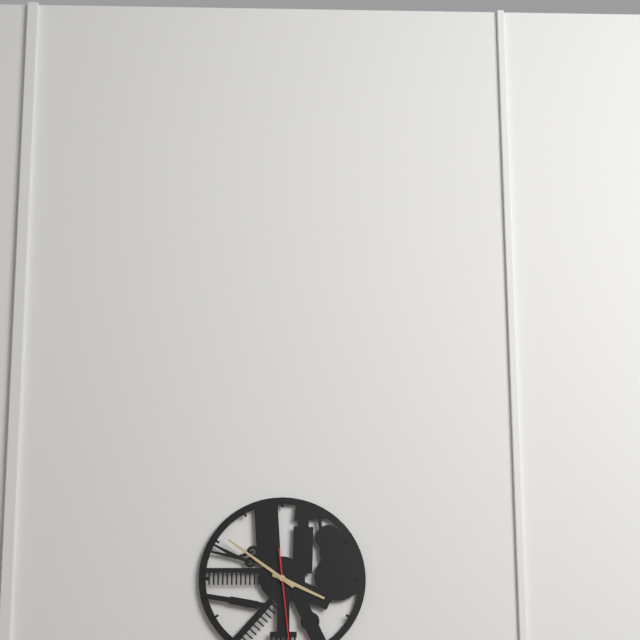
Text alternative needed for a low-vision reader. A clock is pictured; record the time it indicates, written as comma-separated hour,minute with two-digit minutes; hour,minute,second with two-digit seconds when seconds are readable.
3,51
